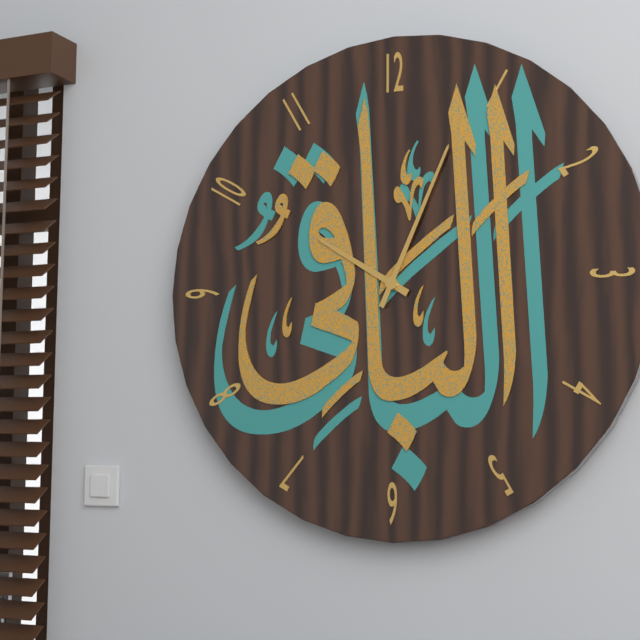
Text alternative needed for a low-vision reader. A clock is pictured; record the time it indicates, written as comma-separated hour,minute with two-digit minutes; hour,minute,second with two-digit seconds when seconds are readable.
10,04
